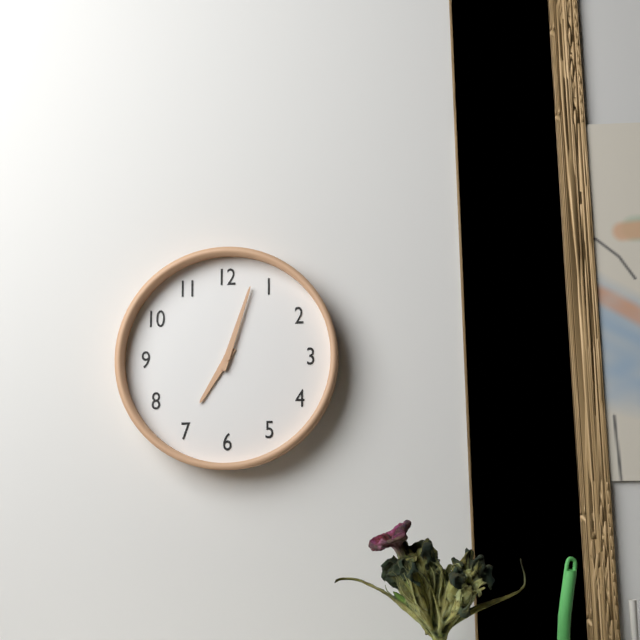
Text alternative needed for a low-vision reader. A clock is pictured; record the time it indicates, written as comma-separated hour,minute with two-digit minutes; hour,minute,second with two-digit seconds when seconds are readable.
7,03
